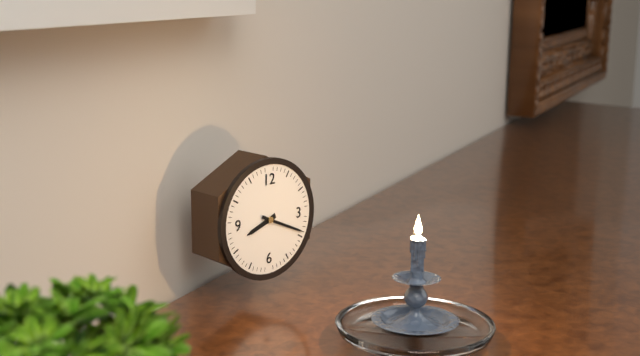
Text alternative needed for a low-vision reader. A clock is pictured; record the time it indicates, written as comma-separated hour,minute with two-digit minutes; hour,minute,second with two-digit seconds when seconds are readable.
8,19
